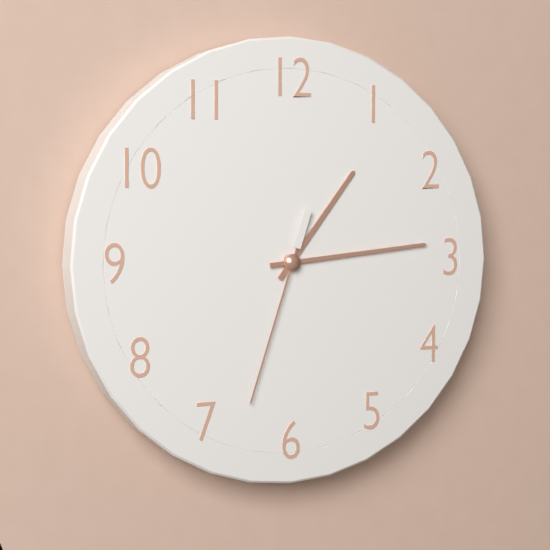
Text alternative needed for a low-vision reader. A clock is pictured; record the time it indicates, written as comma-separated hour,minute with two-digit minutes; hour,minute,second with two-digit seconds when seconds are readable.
1,14,33
